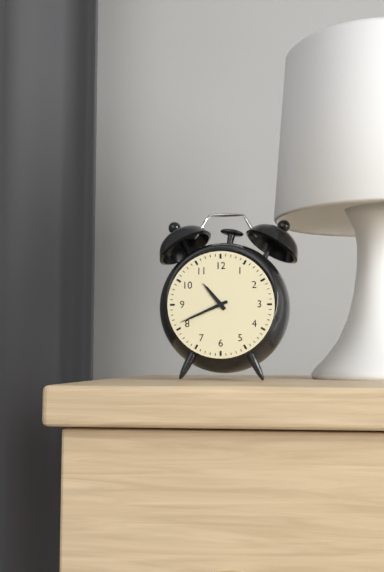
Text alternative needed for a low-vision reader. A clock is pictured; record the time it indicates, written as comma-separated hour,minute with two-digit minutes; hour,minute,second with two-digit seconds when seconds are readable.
10,41
